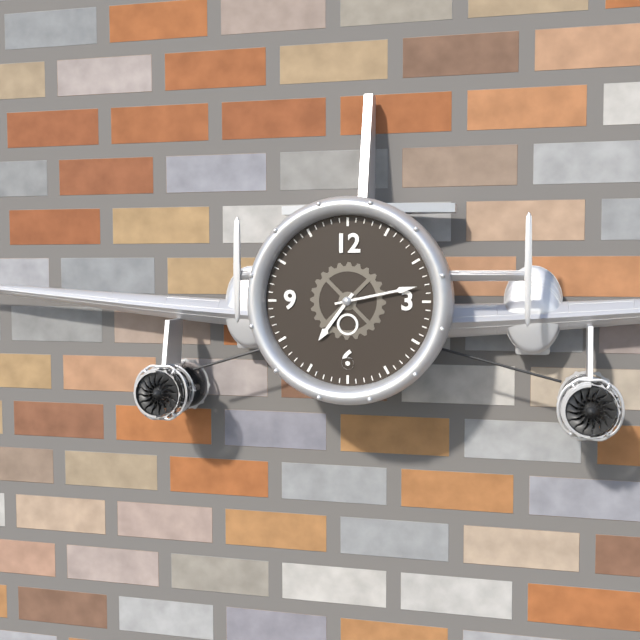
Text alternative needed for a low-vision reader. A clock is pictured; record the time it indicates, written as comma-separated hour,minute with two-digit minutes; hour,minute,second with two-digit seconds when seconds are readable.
7,13
